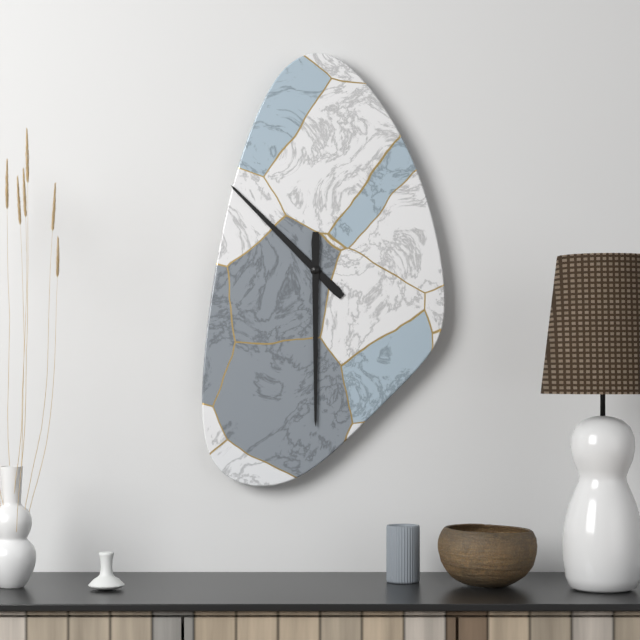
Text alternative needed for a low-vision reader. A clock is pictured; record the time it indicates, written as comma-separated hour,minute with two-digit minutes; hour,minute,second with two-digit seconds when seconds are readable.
10,30
